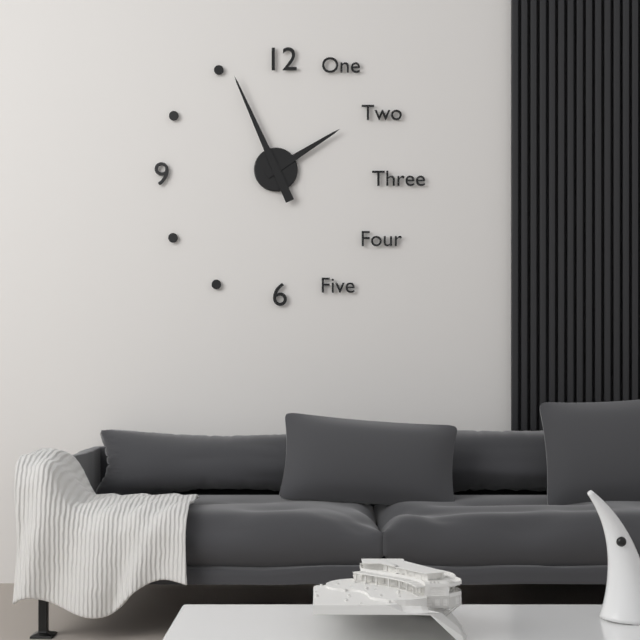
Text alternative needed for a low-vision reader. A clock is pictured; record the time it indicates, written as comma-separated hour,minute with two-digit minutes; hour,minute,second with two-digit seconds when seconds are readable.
1,56
